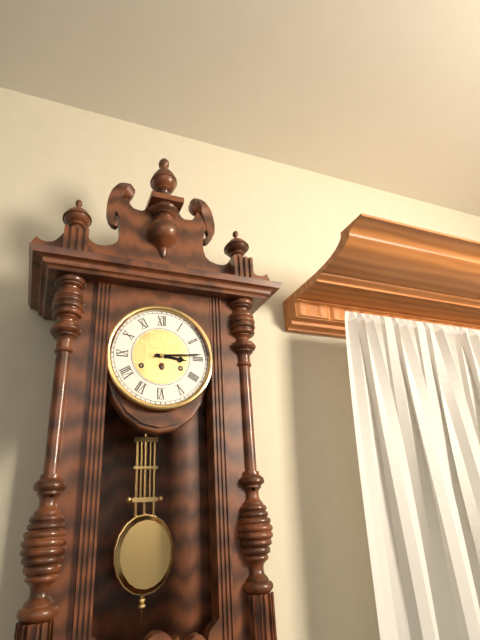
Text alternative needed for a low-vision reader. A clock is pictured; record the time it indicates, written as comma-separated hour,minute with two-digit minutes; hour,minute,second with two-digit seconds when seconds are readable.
3,14
